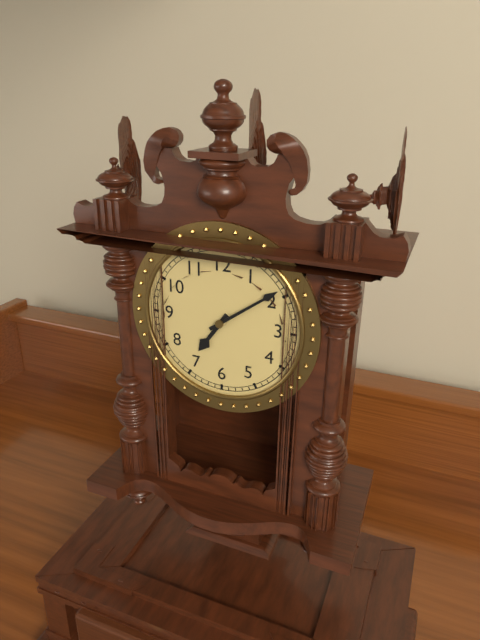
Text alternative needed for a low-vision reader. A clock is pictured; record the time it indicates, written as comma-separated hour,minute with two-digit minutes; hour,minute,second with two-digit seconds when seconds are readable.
7,09
